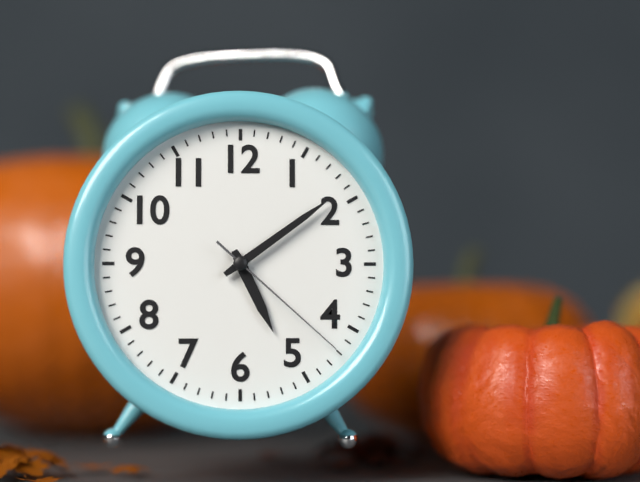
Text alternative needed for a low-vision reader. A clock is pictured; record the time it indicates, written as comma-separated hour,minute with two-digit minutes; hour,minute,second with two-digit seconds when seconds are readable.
5,09,22
